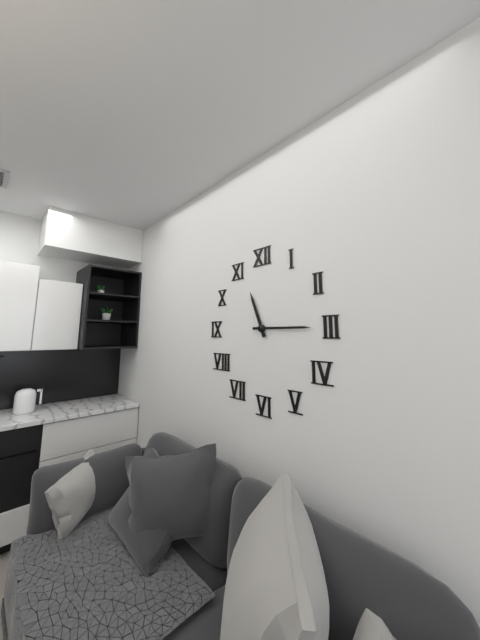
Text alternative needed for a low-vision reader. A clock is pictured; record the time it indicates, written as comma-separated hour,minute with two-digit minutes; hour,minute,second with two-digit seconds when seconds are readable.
11,15
